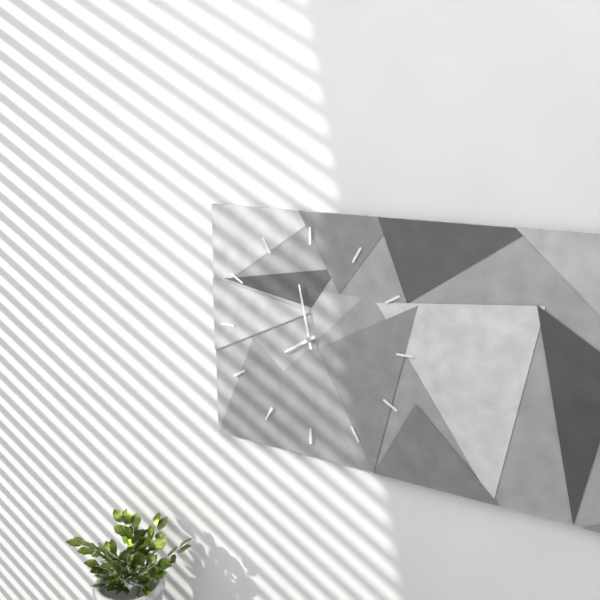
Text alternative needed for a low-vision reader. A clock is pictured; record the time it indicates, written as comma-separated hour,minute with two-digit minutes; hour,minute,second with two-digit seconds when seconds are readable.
7,58
